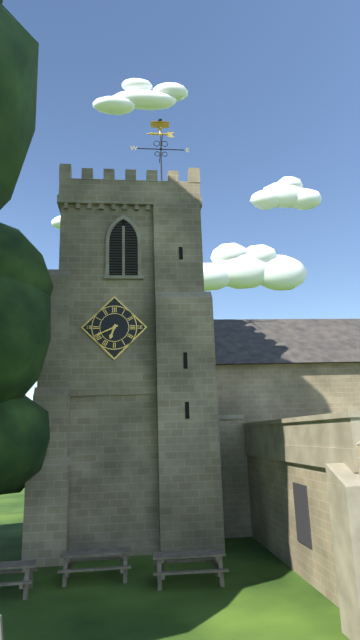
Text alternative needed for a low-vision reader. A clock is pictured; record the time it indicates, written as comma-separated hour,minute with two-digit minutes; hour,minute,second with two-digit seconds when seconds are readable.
6,41
